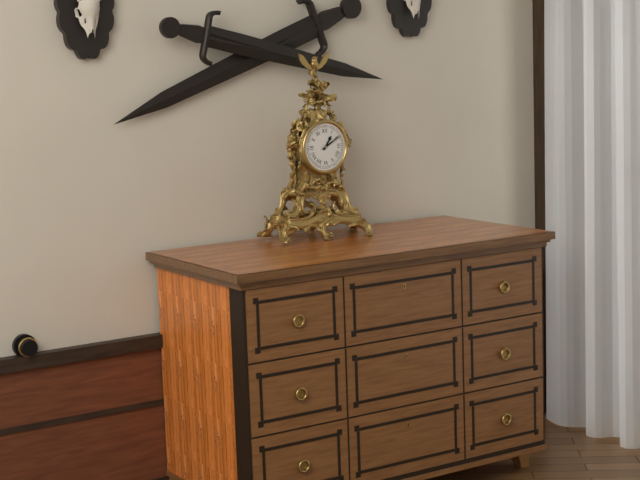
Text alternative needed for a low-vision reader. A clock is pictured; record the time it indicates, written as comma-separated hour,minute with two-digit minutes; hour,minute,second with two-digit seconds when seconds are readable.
1,10
